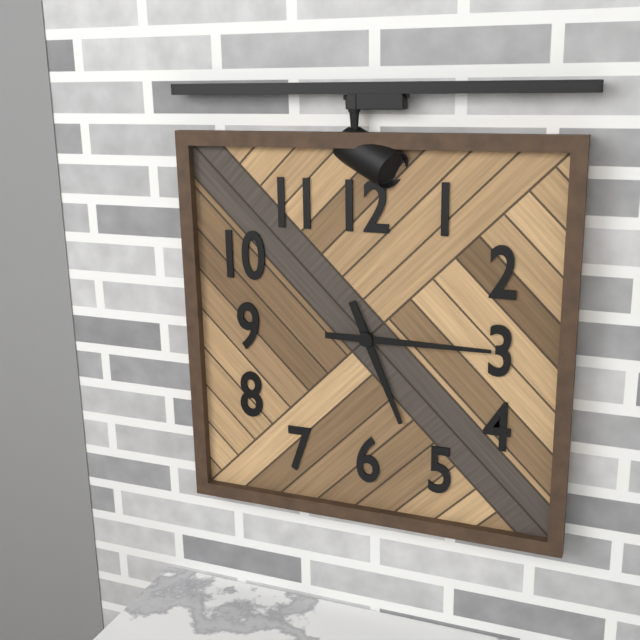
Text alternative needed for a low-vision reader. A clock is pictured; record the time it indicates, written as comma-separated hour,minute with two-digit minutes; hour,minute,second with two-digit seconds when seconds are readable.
5,15
